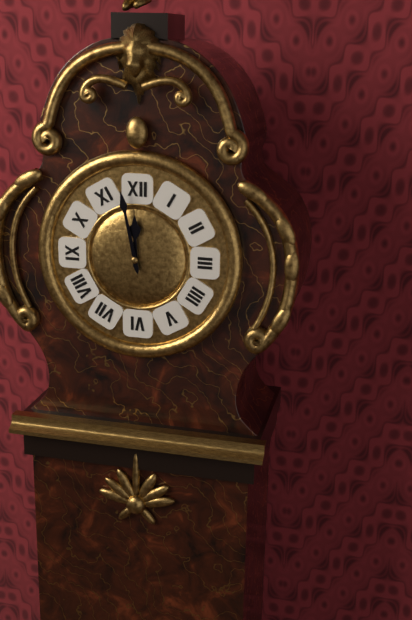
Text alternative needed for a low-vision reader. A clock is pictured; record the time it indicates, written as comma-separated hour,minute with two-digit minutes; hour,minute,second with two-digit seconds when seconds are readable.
11,58
